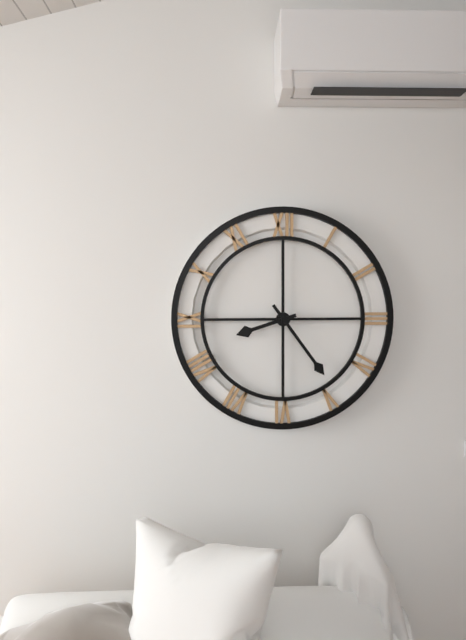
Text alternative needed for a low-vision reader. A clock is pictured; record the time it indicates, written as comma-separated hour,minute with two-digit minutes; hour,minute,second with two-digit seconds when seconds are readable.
8,24
